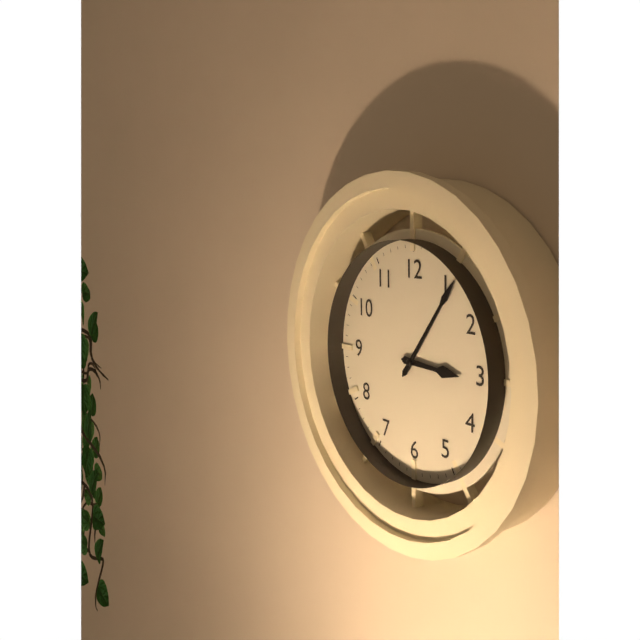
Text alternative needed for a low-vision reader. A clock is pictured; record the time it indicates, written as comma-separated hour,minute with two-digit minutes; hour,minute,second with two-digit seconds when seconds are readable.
3,06
